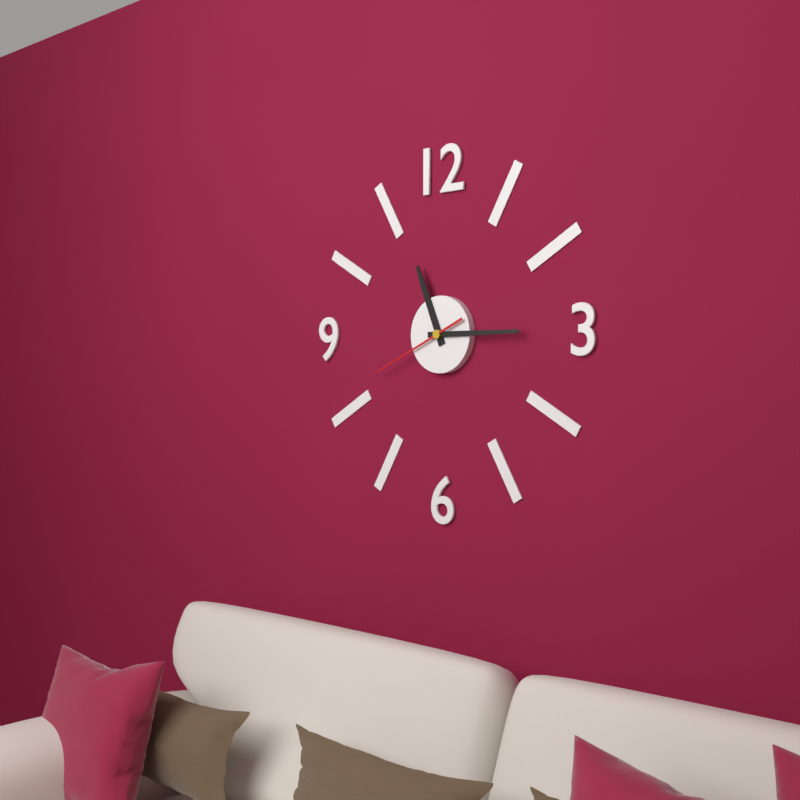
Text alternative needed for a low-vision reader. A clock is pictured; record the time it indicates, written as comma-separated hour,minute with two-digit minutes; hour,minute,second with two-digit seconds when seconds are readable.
11,15,41
